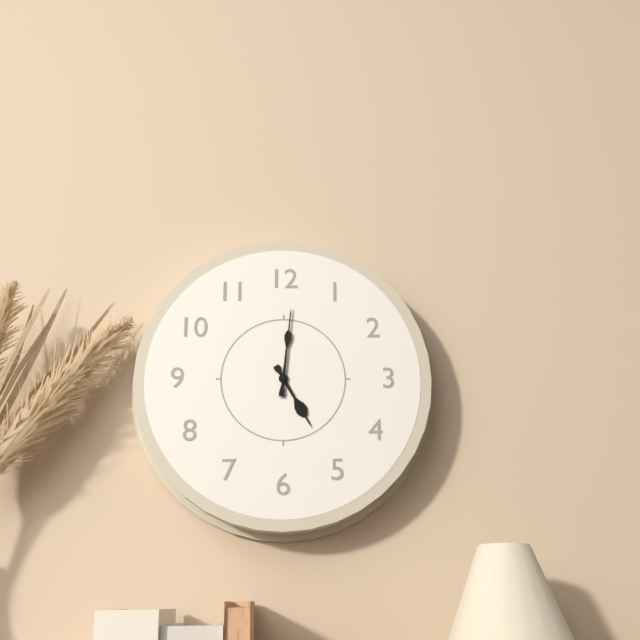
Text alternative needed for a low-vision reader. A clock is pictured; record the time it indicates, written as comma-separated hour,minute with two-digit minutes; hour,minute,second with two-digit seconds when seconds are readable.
5,01
